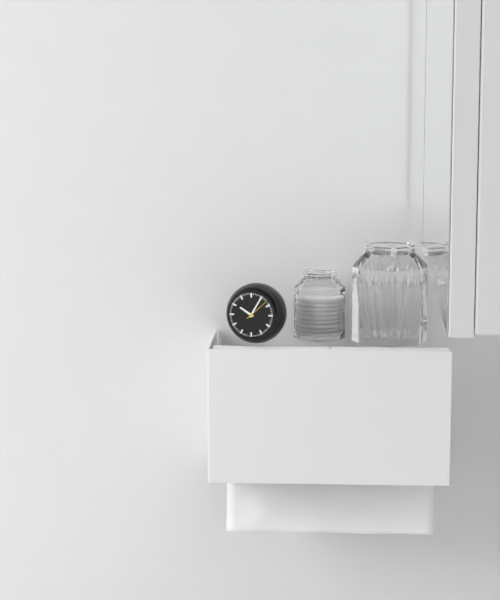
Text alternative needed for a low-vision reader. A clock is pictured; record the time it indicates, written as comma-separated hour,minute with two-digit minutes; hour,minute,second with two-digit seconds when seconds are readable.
10,05
